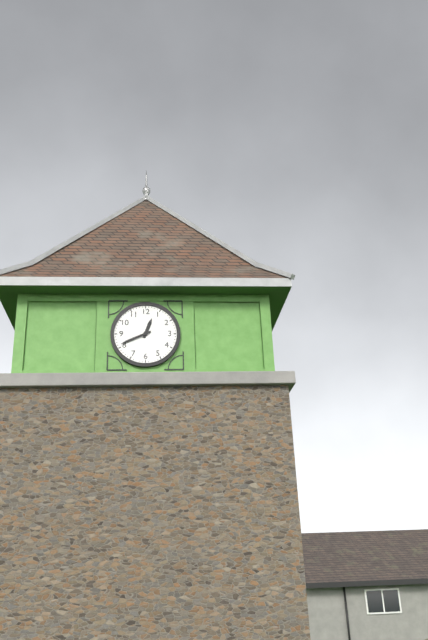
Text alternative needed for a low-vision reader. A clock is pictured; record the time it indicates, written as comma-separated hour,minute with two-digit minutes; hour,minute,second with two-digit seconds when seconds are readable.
12,41
